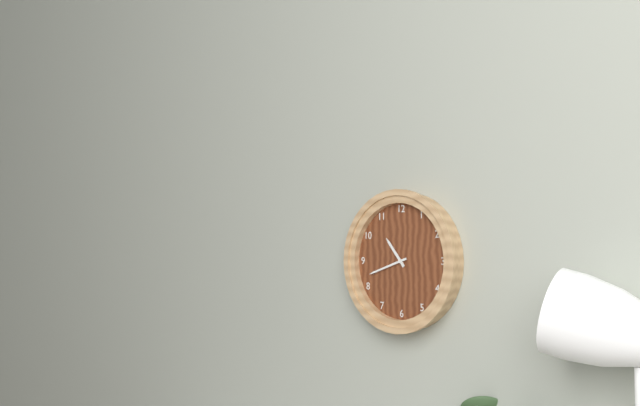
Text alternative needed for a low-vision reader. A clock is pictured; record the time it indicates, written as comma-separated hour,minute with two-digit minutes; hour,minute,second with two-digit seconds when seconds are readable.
10,42
